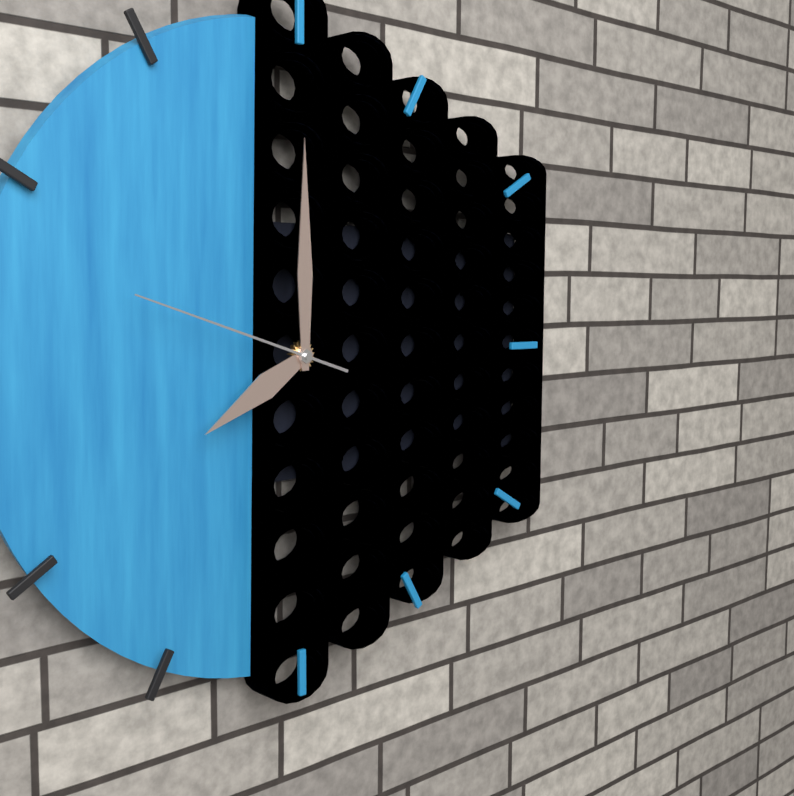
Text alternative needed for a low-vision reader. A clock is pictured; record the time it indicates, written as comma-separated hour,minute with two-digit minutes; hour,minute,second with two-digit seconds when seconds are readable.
8,00,48
